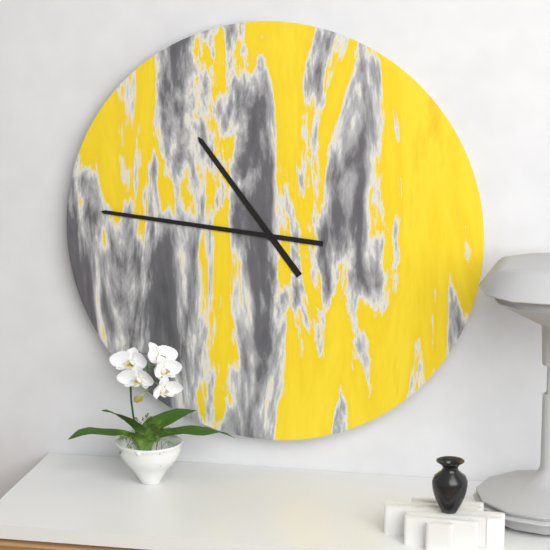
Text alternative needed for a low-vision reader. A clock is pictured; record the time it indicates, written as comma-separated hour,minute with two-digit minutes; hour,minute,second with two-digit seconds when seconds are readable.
10,46
